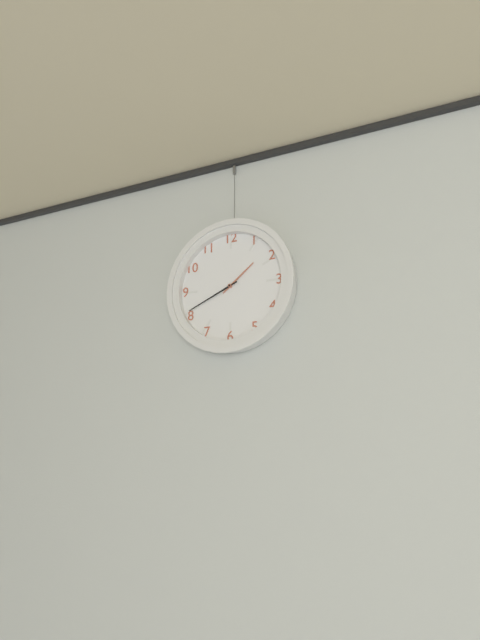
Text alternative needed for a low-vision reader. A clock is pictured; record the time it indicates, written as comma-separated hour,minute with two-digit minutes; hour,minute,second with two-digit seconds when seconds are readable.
1,41
